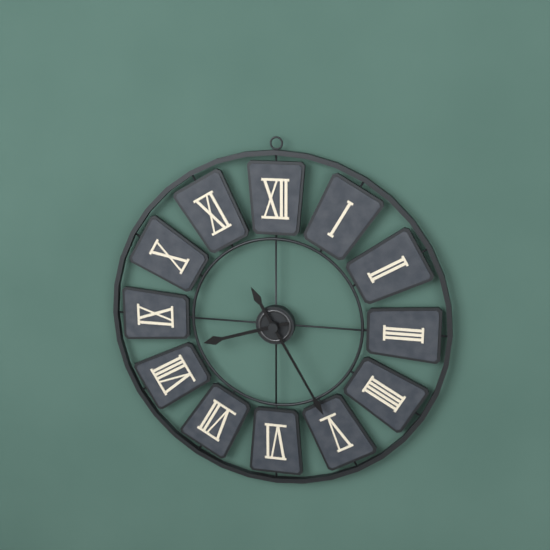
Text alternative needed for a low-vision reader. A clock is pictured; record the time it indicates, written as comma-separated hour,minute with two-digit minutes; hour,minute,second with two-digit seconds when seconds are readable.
8,25
